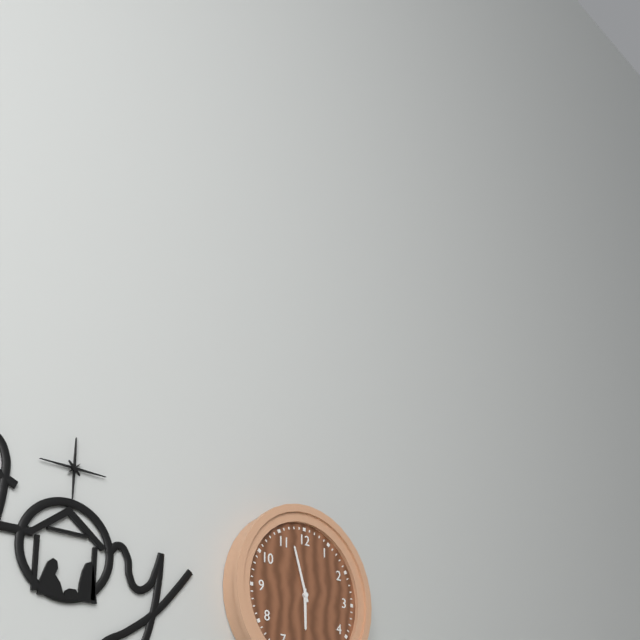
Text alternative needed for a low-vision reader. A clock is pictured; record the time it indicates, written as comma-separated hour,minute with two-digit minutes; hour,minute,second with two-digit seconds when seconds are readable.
5,57
